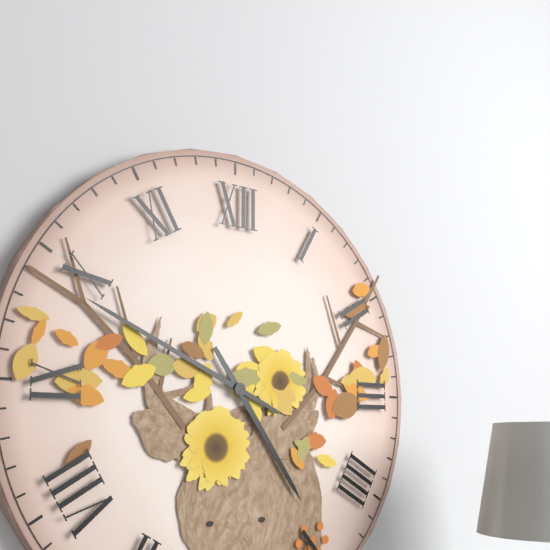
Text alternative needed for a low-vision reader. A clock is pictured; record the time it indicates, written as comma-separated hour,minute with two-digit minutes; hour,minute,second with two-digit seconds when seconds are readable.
4,49
